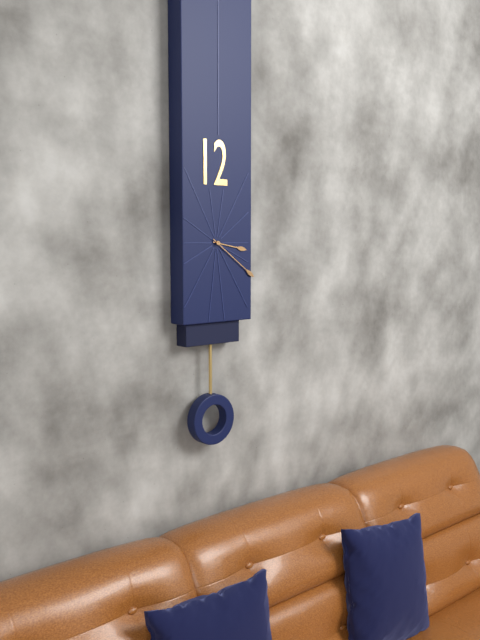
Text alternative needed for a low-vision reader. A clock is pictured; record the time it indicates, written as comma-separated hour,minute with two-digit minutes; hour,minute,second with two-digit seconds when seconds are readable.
3,21
